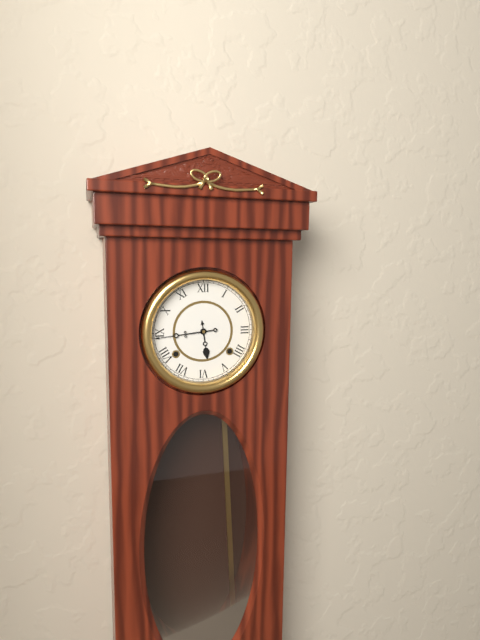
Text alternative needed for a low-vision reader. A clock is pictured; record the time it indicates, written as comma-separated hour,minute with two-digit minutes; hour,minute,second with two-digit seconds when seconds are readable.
5,44
